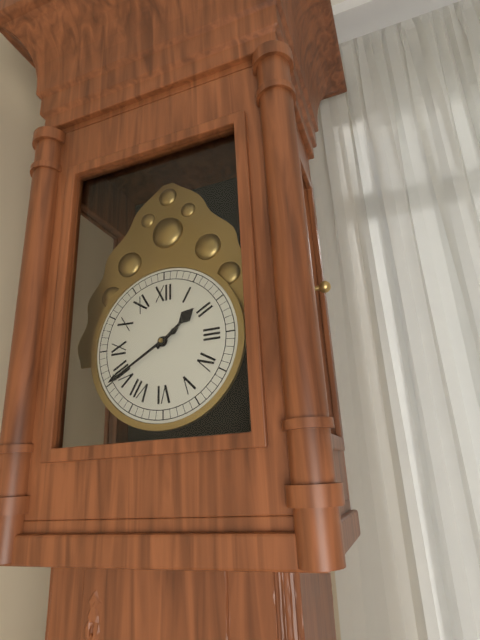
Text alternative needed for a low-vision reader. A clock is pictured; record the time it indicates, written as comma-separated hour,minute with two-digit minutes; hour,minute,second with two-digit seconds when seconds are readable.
1,40
